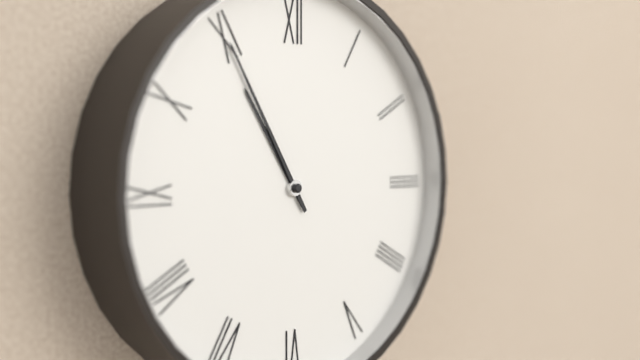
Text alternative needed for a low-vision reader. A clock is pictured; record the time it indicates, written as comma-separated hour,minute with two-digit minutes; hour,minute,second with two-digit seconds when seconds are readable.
10,55
